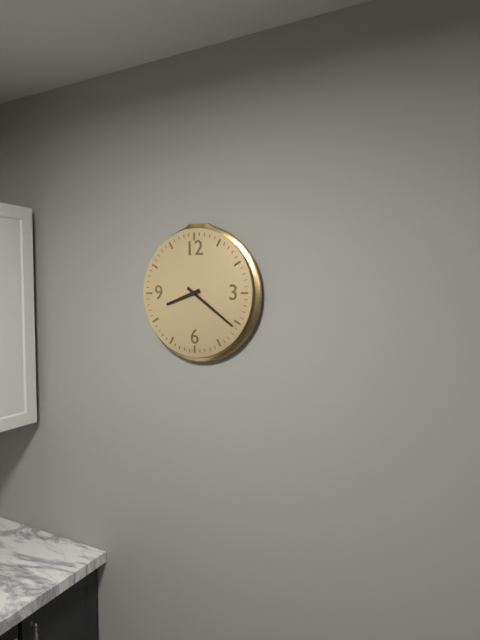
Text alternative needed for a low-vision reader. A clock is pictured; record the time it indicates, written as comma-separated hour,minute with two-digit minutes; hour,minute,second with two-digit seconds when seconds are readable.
8,21
